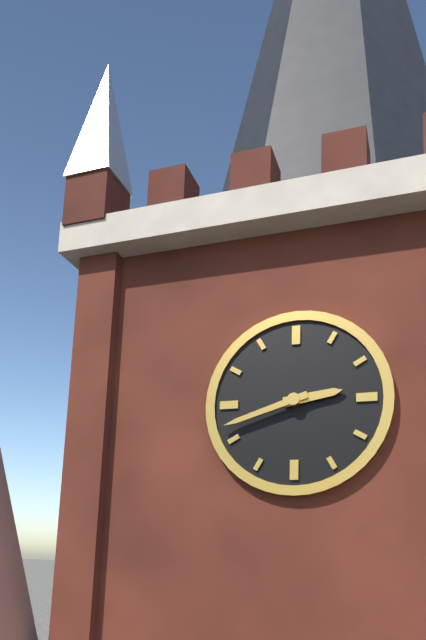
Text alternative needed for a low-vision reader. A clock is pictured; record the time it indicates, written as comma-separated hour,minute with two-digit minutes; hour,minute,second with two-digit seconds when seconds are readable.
2,42
